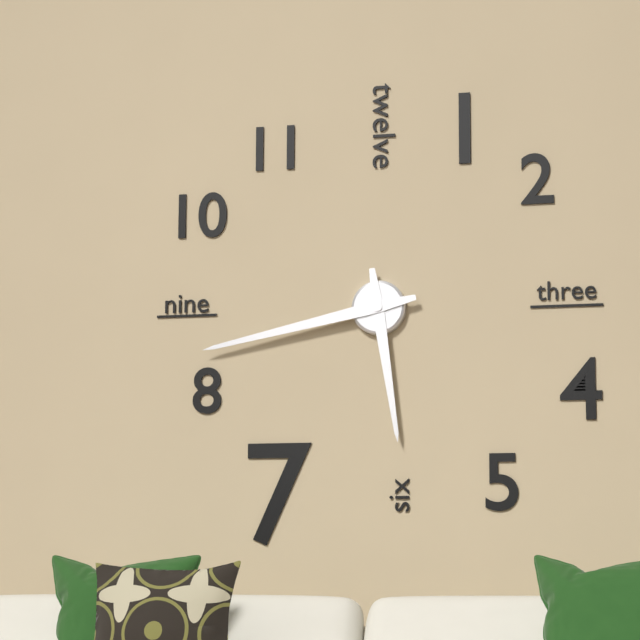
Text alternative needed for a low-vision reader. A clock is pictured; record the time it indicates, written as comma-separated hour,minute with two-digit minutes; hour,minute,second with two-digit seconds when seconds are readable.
5,43
